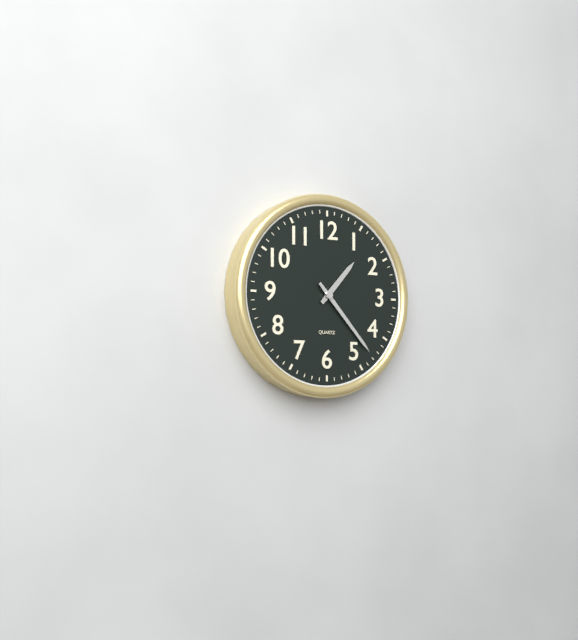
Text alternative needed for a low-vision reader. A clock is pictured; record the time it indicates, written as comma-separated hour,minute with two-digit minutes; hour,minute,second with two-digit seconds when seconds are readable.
1,23
